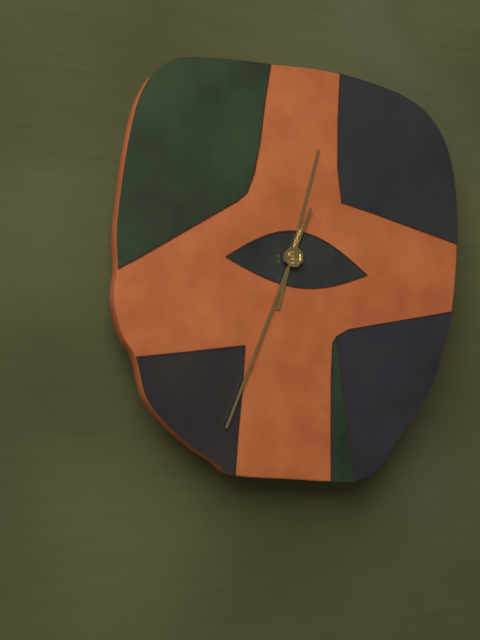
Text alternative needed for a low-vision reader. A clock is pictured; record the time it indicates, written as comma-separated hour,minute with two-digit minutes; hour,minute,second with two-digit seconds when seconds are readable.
12,34
